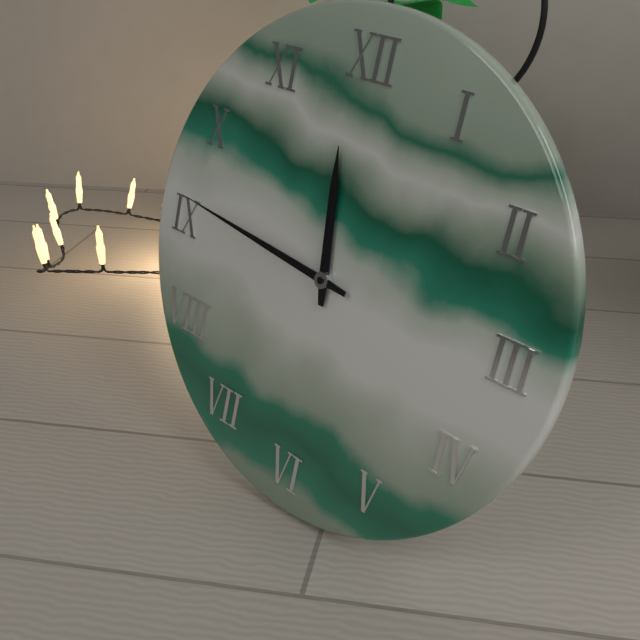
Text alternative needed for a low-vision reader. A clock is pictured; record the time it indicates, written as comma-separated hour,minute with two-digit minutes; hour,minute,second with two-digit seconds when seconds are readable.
11,46
